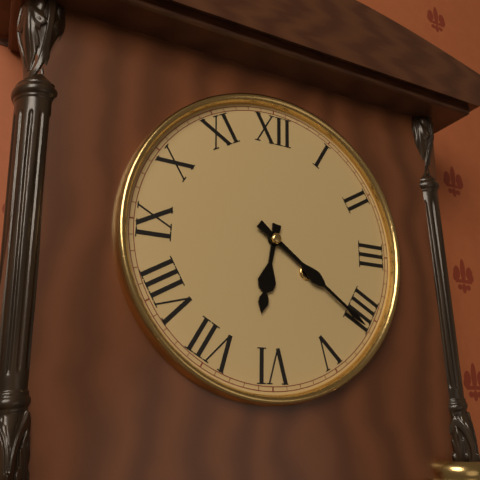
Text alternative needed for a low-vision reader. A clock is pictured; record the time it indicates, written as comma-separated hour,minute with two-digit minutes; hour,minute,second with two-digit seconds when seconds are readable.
6,21
